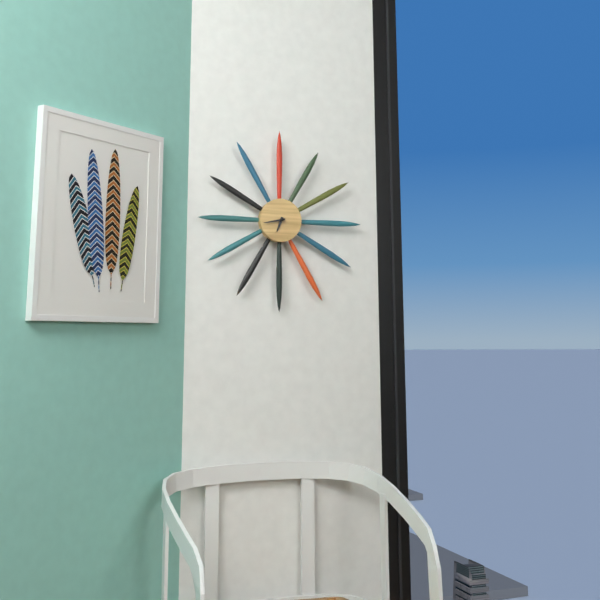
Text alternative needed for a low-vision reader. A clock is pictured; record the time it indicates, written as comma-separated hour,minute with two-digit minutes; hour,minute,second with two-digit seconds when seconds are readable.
6,43
